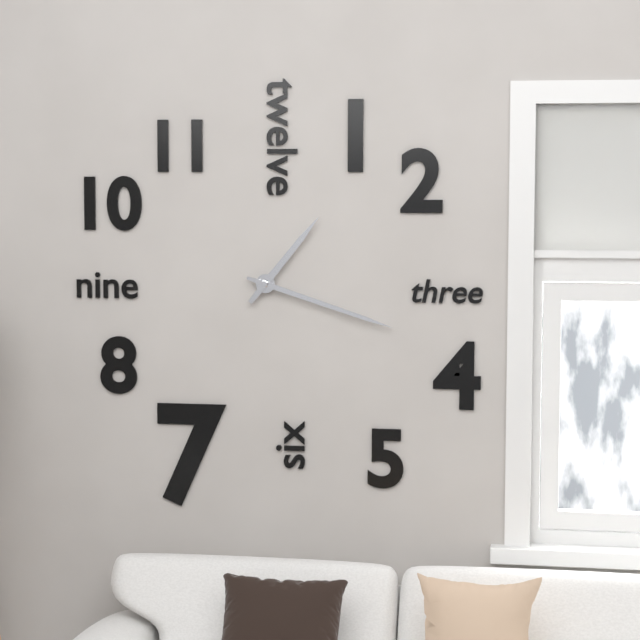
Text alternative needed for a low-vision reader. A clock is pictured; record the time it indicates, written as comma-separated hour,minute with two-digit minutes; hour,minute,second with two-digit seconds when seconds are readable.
1,18
